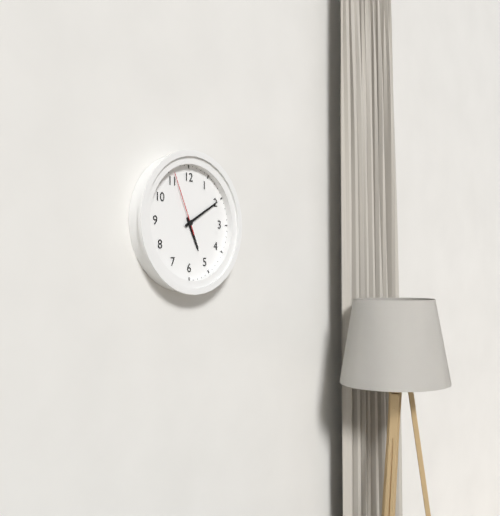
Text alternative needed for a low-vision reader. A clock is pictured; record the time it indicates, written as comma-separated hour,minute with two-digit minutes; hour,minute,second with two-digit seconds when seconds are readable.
5,10,56
